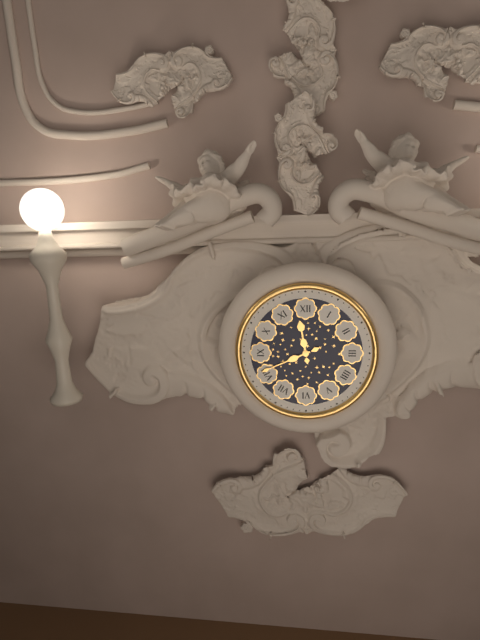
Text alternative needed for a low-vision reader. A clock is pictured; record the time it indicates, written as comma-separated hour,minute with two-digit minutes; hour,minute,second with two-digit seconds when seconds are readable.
11,41
